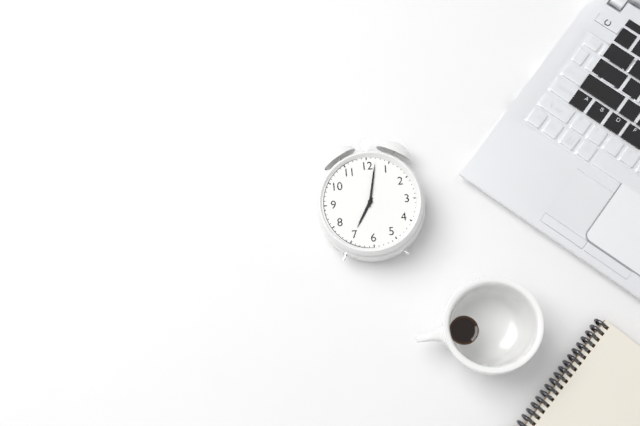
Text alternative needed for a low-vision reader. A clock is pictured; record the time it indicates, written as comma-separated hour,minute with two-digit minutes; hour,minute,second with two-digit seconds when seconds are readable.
7,02
